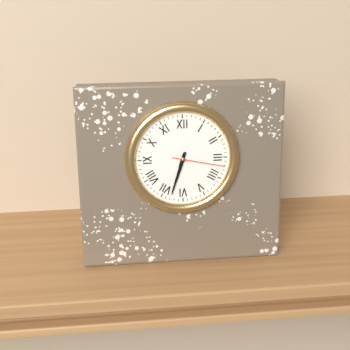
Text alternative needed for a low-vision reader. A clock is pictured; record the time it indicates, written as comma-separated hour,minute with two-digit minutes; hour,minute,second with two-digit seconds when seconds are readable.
6,33,17
